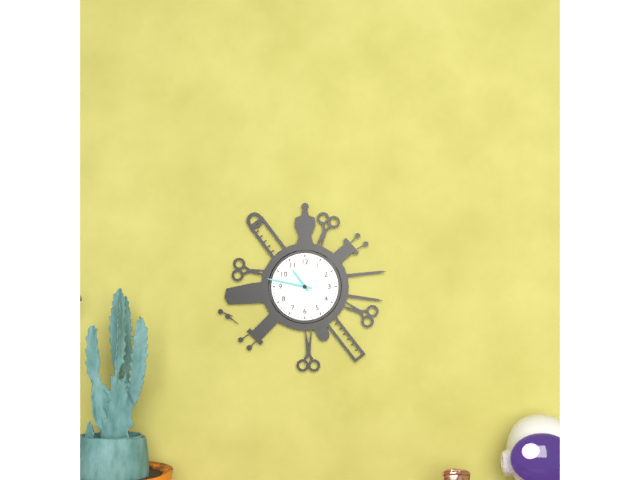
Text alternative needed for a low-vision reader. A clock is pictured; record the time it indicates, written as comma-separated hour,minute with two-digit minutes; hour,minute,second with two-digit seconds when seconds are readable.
10,47
